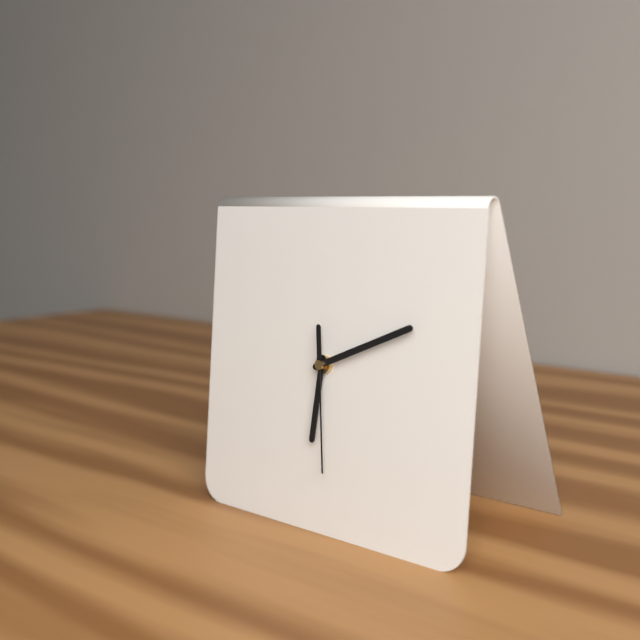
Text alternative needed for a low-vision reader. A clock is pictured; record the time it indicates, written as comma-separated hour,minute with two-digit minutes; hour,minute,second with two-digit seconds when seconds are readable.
6,11,29
